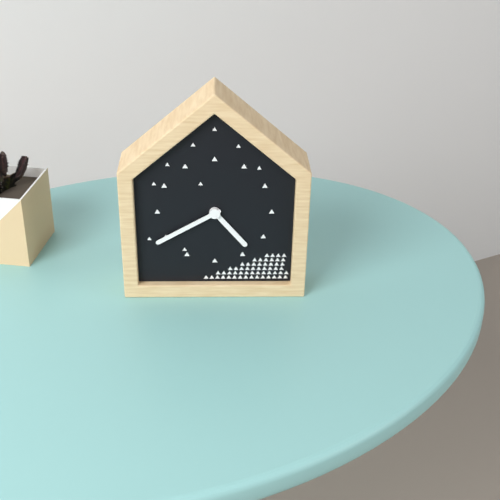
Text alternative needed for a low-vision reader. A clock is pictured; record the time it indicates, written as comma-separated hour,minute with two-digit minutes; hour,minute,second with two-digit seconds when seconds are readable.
4,40
